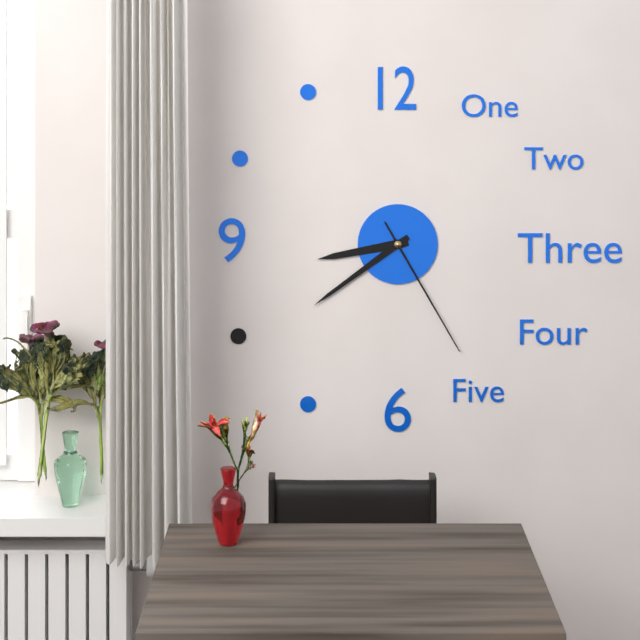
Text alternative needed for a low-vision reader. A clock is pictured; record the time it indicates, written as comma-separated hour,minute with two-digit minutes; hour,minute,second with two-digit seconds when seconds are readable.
8,39,25
